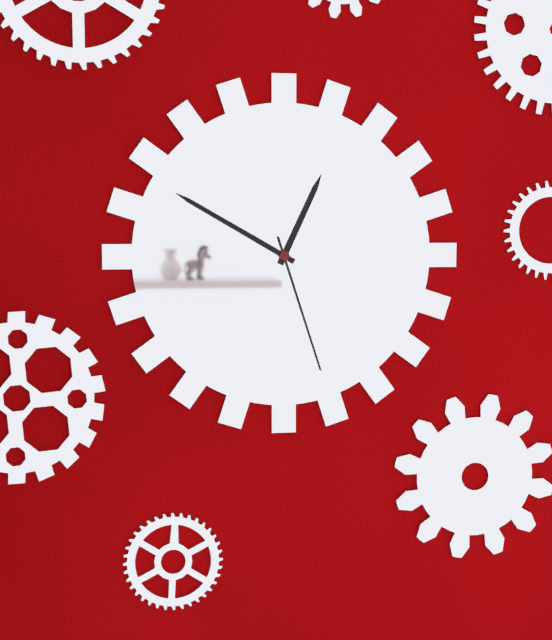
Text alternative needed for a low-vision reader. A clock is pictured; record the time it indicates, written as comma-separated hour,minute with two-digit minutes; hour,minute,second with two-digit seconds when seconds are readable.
12,50,27
